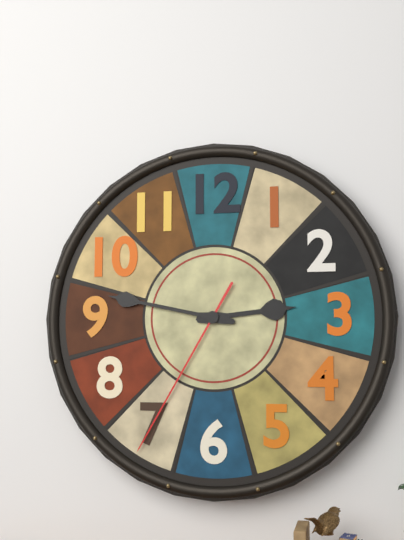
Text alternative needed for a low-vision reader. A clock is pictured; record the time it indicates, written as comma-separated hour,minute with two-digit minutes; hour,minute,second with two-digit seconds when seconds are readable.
2,47,35
